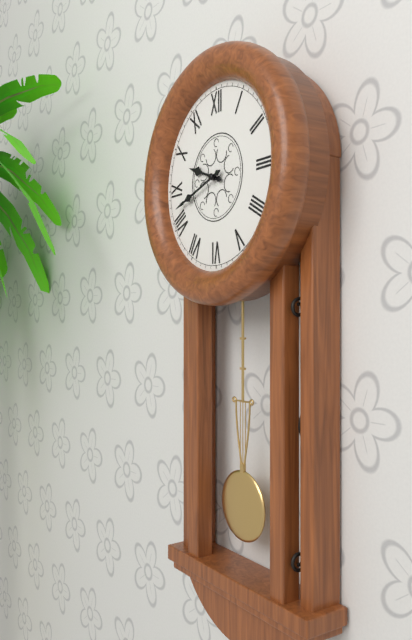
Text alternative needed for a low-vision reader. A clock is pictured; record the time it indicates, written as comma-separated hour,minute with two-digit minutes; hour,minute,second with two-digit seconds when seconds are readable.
9,42
